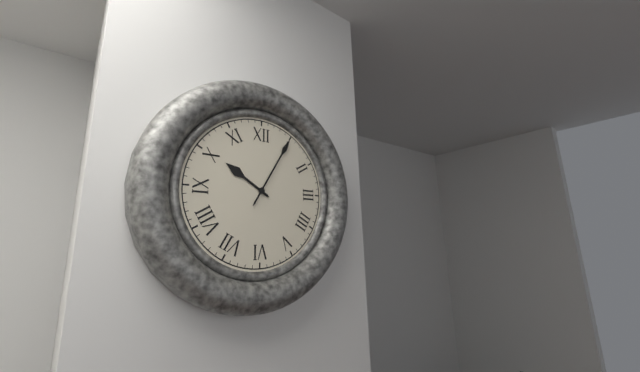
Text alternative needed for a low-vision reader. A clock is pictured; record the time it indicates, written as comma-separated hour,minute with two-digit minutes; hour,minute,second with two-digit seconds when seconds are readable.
10,05
